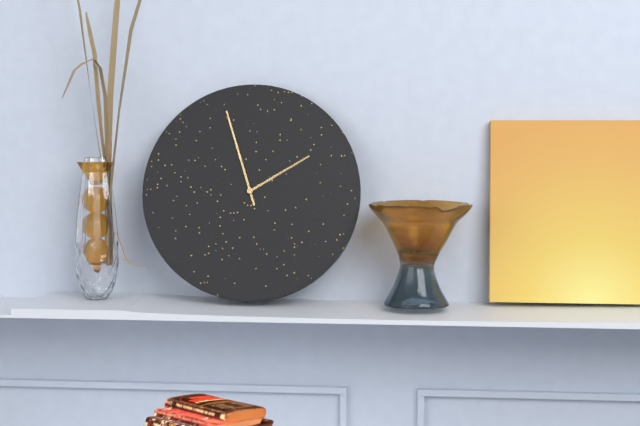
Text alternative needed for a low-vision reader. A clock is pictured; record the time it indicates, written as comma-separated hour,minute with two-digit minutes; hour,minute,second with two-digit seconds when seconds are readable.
1,57
